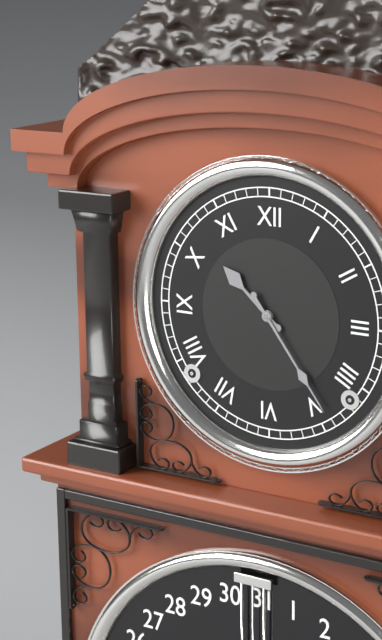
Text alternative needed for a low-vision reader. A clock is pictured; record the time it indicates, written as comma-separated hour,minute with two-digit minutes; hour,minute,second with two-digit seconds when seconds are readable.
10,24
